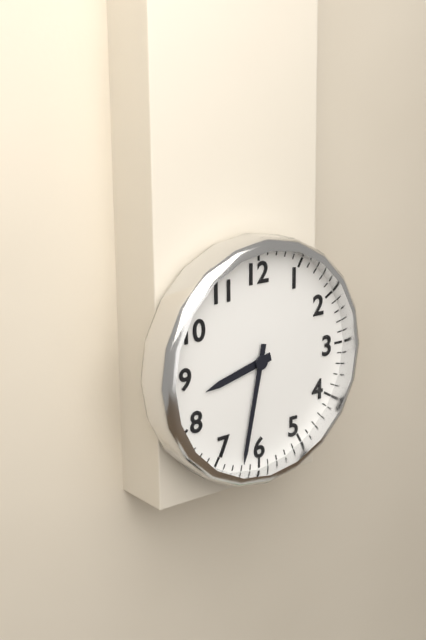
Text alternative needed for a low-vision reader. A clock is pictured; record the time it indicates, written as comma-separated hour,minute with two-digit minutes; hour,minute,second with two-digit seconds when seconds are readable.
8,32
